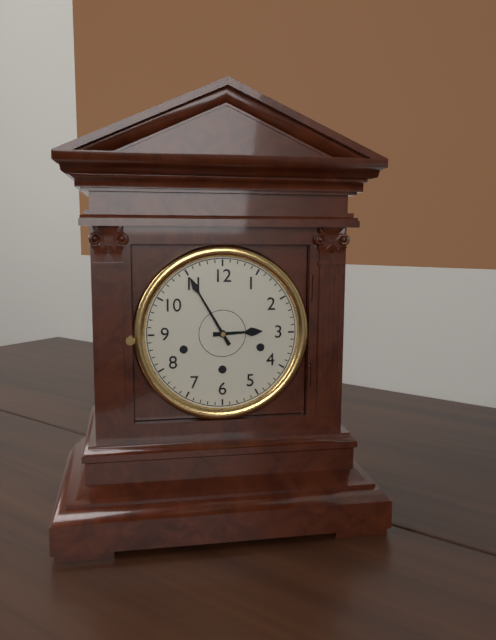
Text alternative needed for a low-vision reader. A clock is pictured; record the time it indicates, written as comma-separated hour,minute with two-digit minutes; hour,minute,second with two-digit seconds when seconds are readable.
2,55
